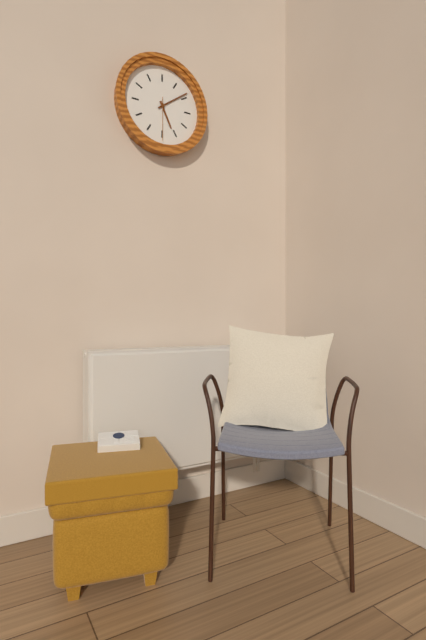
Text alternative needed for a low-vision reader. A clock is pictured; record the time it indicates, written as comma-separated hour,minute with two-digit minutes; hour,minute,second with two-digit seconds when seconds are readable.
5,09
